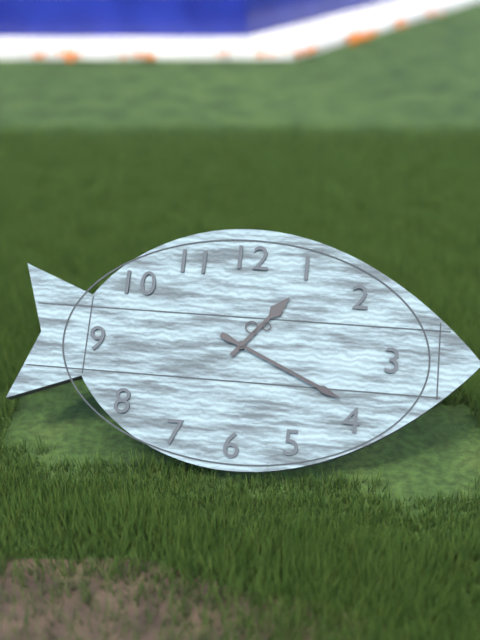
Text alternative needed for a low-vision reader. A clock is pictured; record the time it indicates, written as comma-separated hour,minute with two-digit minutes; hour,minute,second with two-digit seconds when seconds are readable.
1,19
